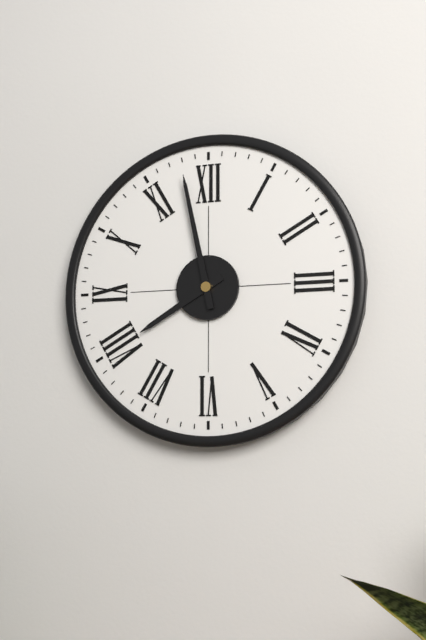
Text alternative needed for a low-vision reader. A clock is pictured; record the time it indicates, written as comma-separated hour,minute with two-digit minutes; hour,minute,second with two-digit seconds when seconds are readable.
7,58
